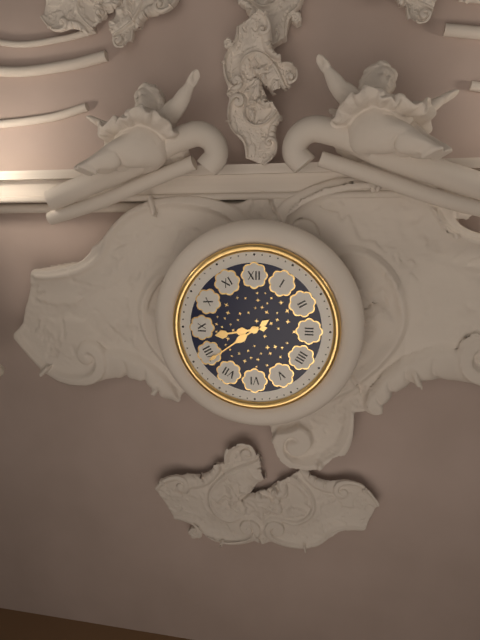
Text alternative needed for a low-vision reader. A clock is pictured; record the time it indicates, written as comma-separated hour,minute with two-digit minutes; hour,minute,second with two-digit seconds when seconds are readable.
8,39
